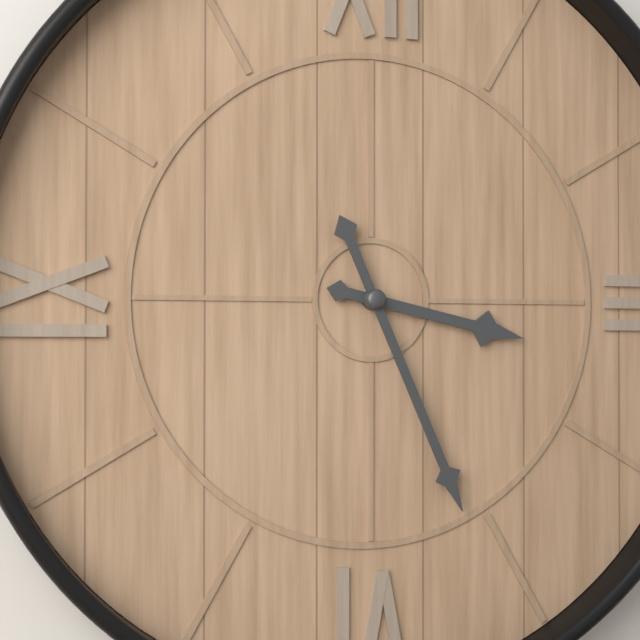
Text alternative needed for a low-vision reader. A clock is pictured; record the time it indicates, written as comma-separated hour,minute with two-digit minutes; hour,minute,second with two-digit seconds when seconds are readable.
3,26
